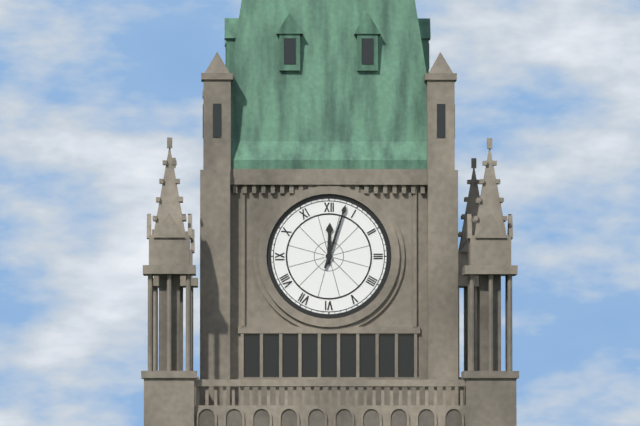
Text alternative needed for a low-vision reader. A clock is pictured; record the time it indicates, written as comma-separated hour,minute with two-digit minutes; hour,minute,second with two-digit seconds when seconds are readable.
12,03
